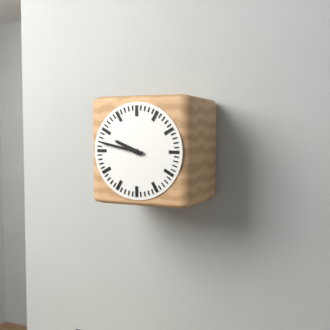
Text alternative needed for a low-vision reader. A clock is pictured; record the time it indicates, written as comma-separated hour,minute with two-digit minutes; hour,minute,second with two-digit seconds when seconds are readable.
9,47
